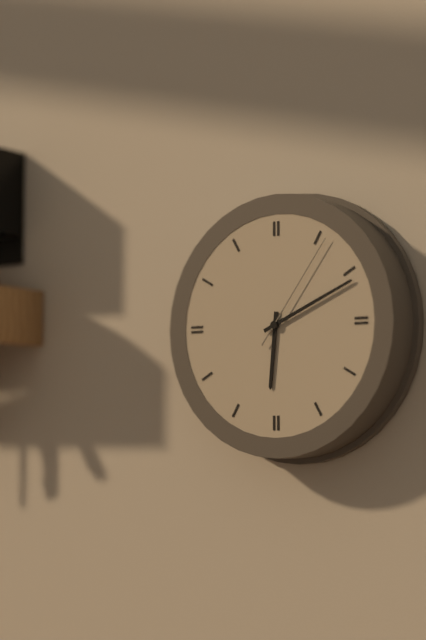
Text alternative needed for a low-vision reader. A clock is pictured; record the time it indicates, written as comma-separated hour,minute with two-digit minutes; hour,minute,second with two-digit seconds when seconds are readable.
6,11,06
